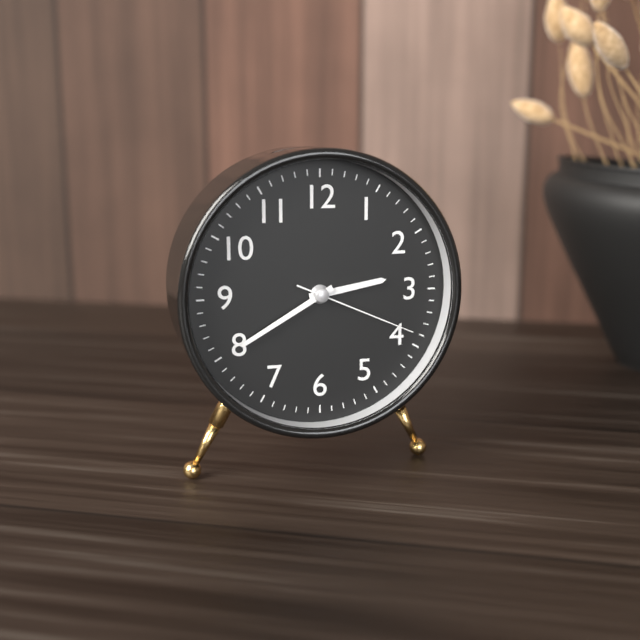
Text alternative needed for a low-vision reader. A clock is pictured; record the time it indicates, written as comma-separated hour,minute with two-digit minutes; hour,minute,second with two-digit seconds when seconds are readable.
2,40,19
